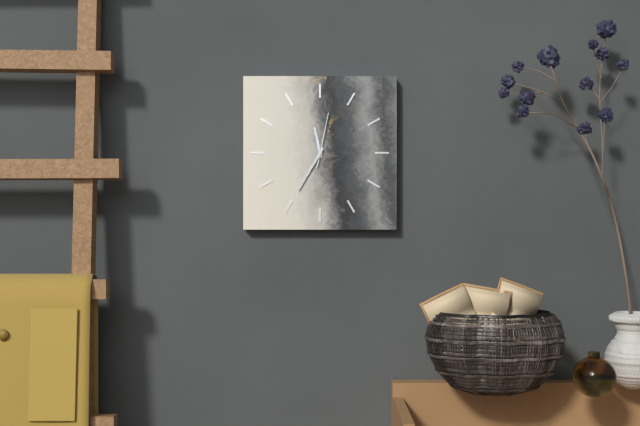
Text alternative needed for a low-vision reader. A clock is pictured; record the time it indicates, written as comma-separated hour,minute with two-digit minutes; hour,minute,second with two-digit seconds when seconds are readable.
11,35,02
